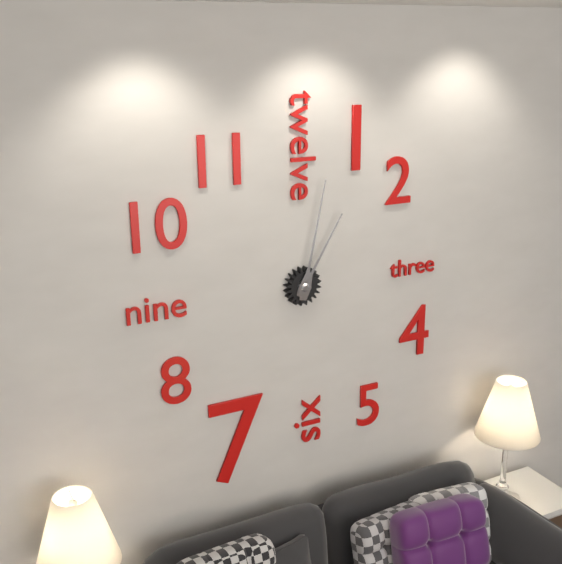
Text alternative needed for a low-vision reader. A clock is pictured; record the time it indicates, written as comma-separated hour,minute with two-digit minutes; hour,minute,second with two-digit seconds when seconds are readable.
1,02
